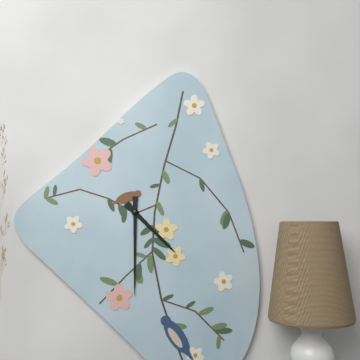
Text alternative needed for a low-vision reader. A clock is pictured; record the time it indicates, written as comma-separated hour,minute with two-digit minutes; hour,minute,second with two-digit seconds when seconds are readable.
4,30
